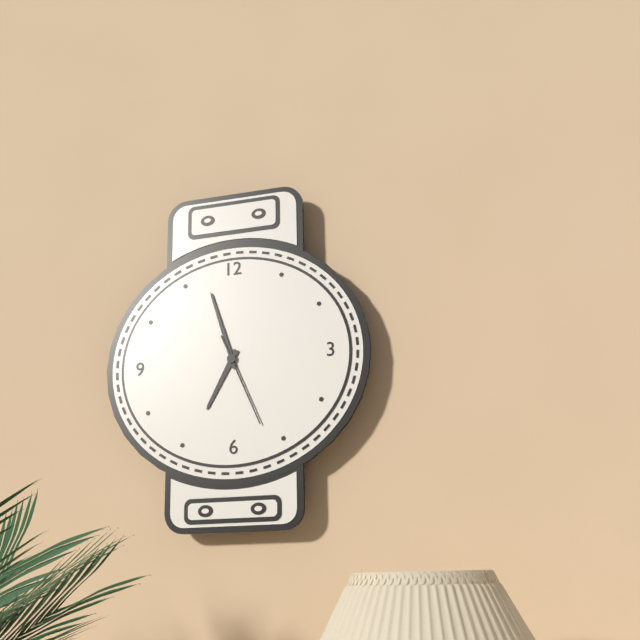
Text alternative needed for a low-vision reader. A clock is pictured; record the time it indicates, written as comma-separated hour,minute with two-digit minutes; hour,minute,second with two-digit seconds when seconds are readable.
6,57,26
